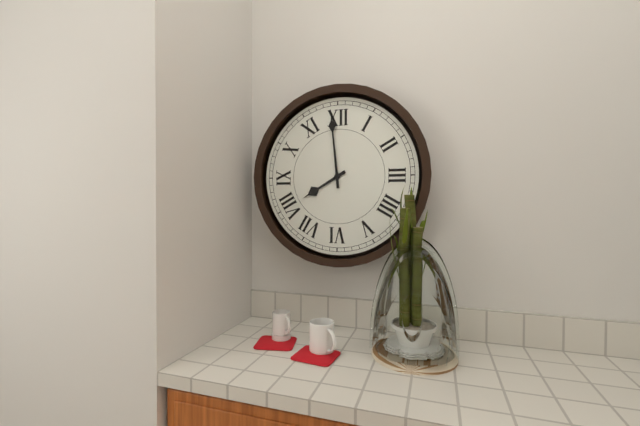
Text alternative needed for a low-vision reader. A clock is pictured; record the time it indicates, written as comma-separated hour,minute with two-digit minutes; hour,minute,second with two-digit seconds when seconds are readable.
7,59
